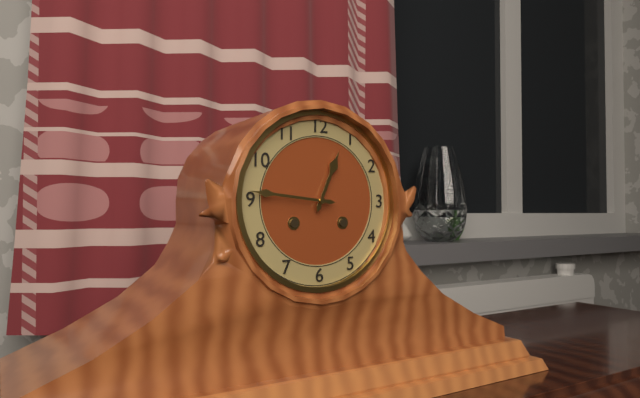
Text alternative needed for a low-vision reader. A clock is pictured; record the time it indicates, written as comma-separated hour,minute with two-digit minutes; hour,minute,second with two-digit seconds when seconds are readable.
12,46
